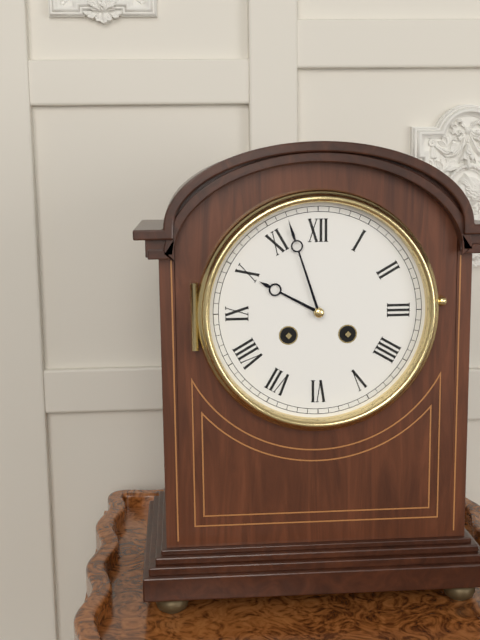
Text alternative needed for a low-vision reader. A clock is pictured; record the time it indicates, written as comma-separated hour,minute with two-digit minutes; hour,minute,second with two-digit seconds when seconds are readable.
9,57
